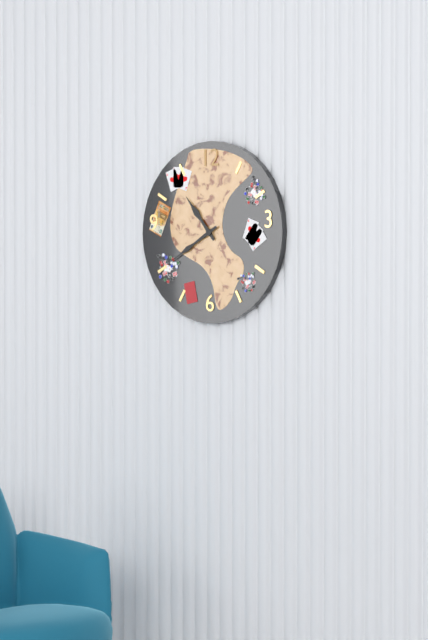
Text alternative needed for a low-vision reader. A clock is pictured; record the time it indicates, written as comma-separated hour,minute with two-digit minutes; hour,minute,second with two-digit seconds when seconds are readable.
10,40
